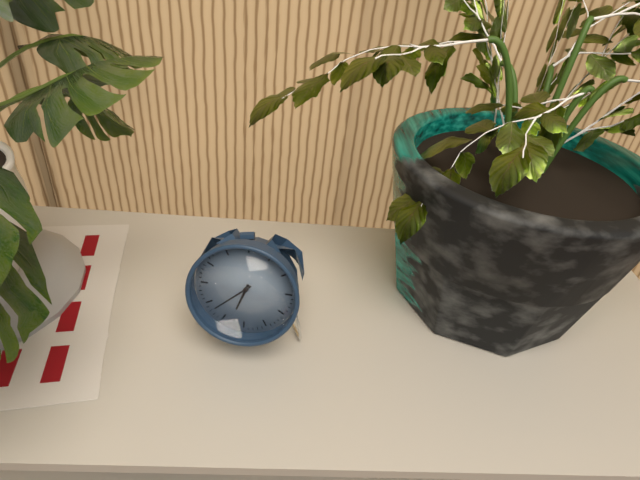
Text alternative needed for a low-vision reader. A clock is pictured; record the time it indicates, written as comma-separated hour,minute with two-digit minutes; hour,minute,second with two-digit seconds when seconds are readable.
6,38
